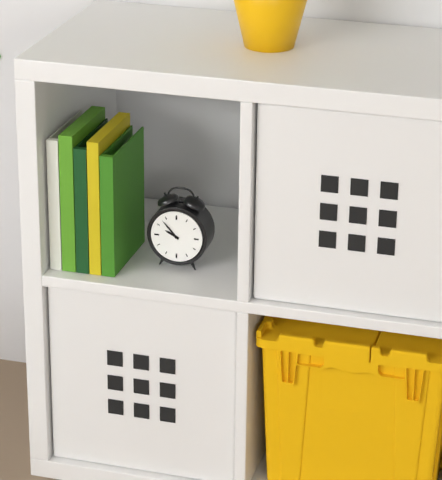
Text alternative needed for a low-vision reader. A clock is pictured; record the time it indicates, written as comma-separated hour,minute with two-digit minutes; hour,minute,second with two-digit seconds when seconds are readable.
9,53
